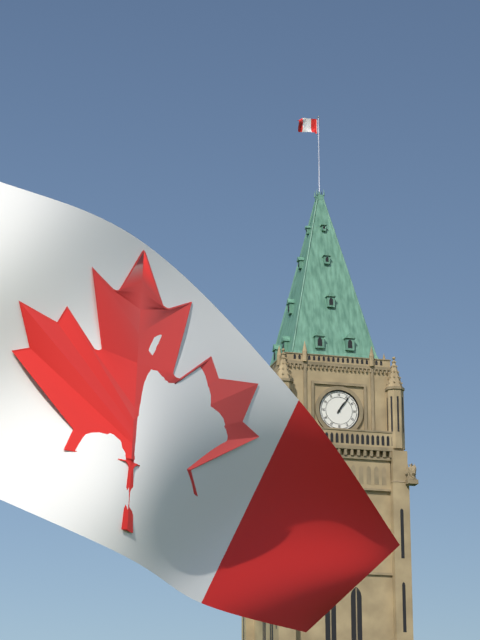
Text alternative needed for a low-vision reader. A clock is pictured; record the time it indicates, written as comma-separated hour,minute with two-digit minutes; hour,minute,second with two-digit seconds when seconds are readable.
1,06
